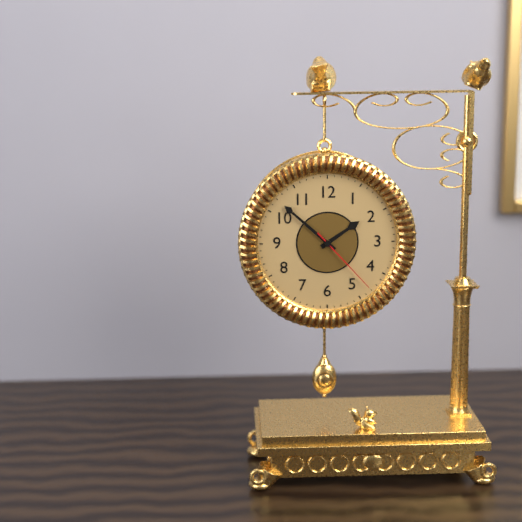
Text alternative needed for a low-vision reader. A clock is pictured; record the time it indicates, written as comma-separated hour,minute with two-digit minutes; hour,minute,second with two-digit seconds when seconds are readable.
1,52,23
